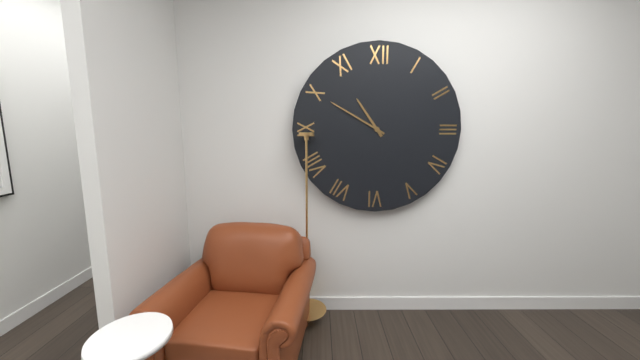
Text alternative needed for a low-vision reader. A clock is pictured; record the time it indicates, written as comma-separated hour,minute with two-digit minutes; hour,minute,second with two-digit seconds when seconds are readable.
10,50
